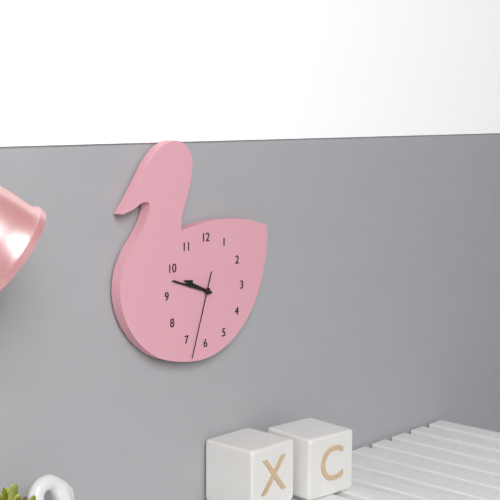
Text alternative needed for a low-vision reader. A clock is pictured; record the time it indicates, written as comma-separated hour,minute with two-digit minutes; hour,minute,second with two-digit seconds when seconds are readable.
9,48,33
